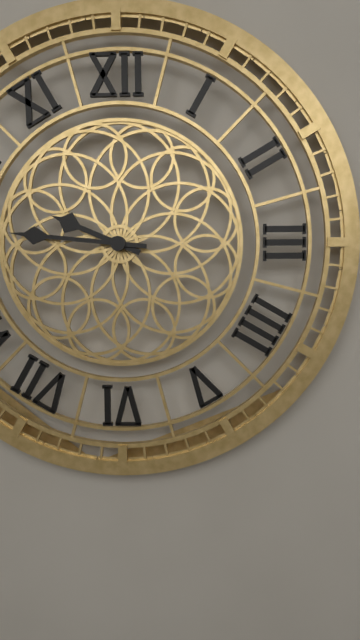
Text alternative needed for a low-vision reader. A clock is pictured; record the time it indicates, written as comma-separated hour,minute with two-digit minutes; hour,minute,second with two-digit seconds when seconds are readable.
9,46
